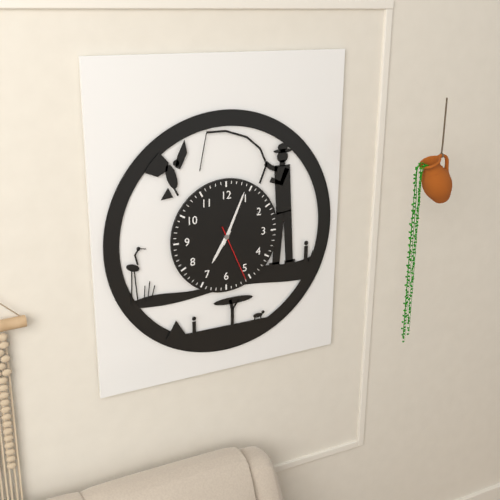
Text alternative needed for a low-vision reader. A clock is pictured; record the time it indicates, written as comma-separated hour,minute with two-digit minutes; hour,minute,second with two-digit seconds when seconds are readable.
7,04,26
